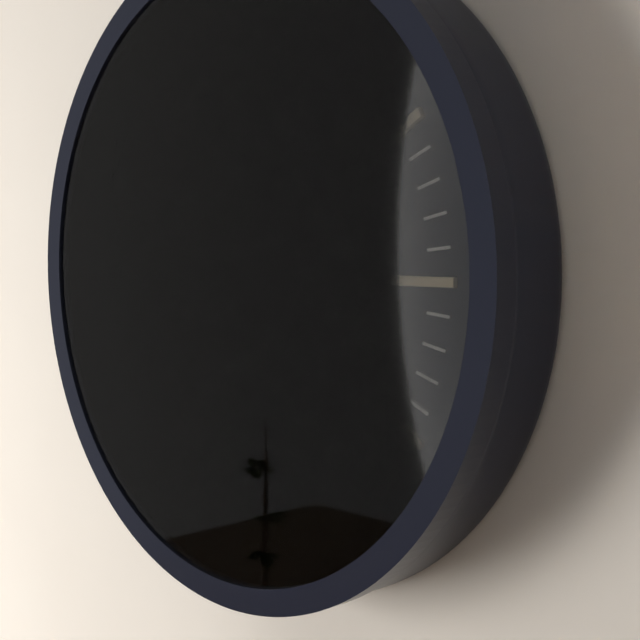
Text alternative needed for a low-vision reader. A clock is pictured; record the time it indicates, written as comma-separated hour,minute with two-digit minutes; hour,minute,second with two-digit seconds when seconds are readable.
11,36
